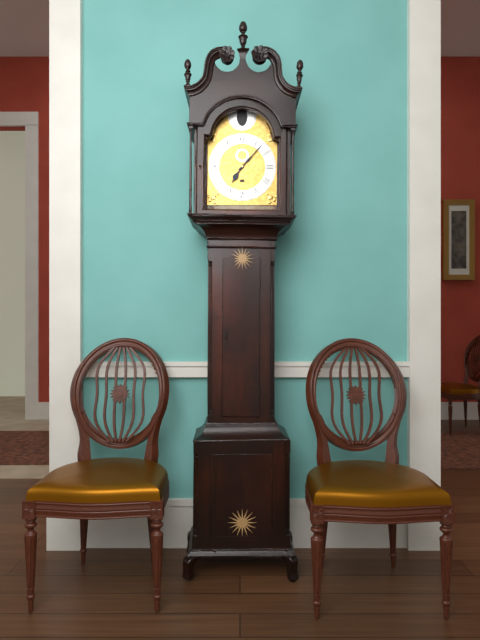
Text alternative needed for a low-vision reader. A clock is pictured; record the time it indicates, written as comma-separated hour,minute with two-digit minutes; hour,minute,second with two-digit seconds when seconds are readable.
7,07
